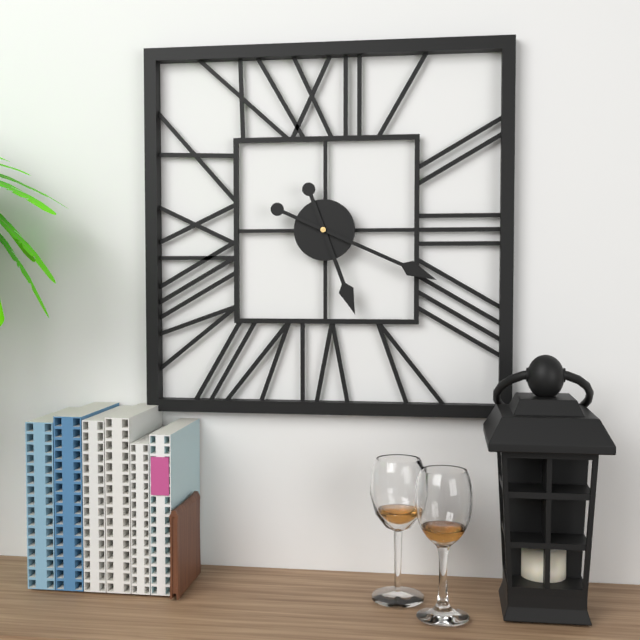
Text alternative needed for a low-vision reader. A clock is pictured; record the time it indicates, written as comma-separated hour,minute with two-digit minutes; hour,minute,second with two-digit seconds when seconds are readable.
5,19
